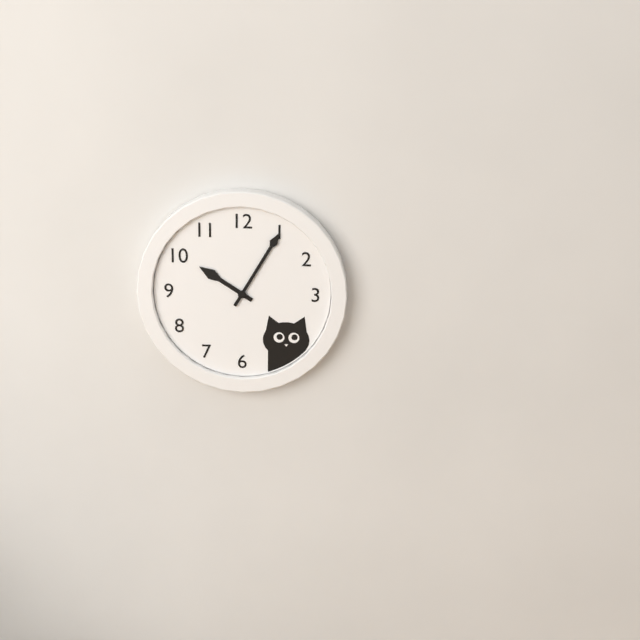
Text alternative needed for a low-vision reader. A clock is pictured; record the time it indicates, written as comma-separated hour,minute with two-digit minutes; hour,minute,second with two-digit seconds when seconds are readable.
10,05
